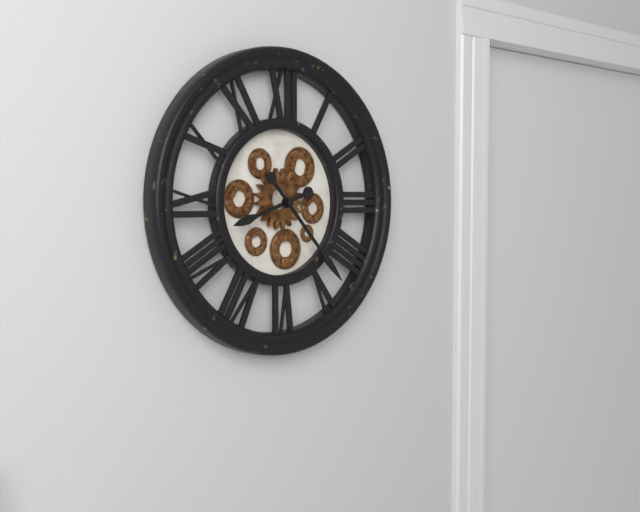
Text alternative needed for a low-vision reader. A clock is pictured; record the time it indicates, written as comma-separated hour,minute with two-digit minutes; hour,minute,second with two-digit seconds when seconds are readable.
8,23
